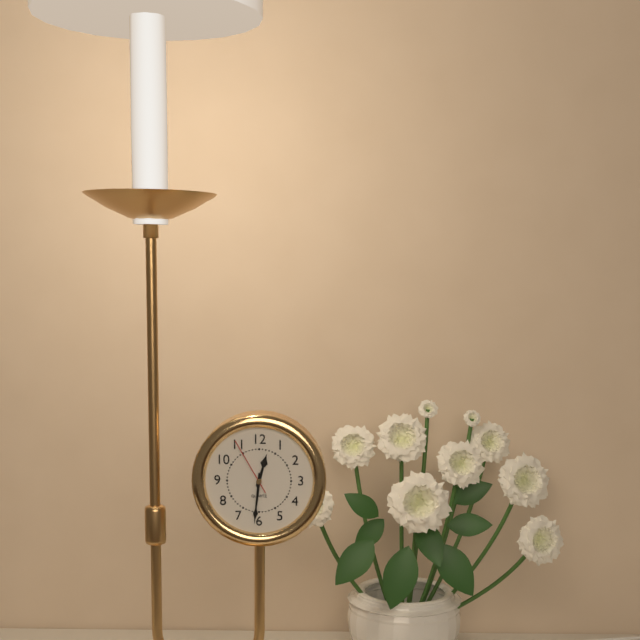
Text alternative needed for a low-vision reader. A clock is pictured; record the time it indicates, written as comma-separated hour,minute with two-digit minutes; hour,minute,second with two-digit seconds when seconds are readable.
12,31,55
